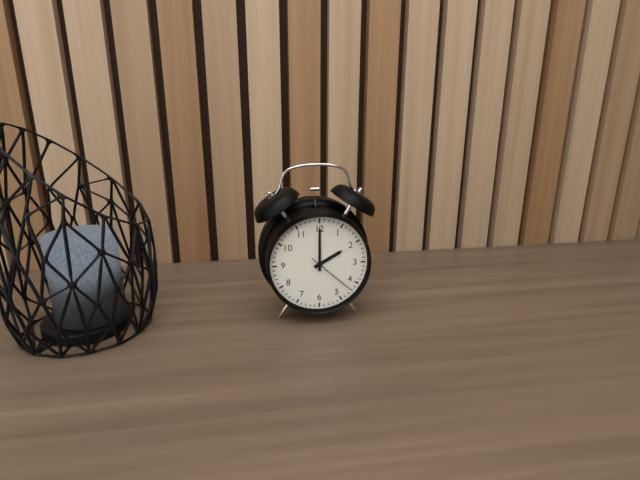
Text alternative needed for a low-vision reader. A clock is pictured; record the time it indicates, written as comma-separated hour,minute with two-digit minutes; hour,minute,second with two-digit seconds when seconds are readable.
2,00,22
